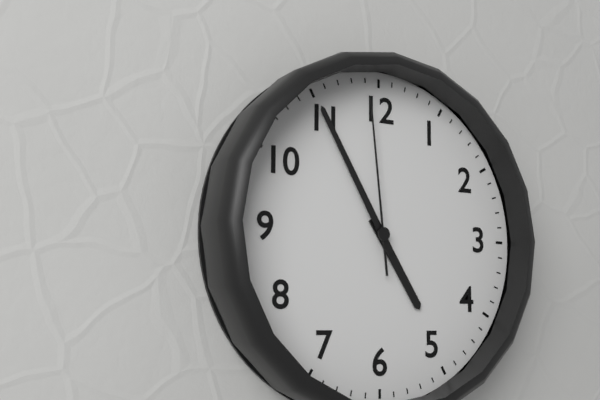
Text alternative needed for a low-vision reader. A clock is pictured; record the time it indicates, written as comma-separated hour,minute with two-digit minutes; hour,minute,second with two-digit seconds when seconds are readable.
4,55,59
